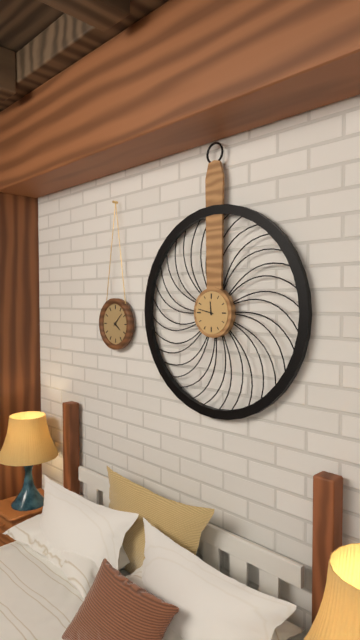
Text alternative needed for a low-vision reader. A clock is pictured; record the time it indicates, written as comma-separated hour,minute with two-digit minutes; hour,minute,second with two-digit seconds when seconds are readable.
11,47
